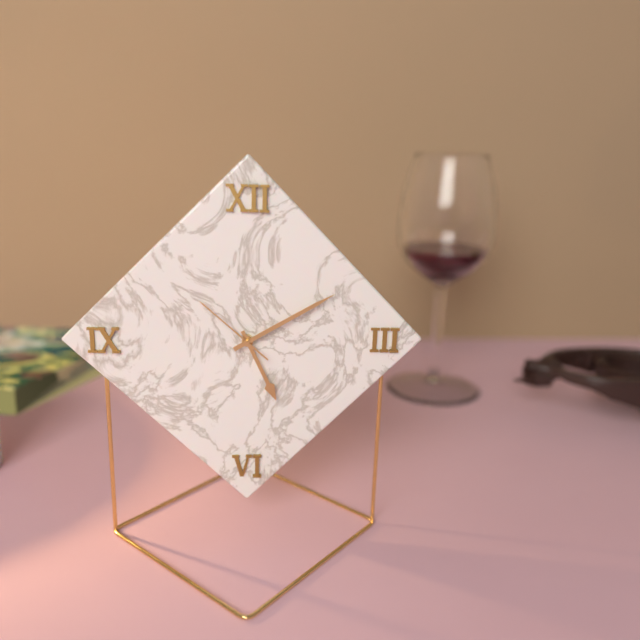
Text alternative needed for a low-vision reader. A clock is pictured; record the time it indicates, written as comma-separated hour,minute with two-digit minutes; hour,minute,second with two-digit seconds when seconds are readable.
5,10,52
